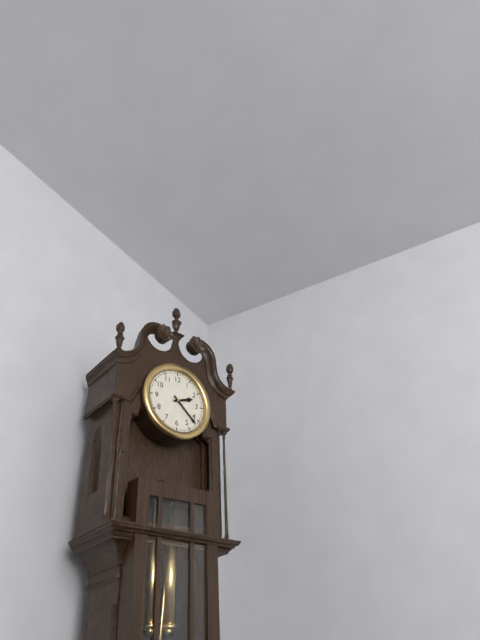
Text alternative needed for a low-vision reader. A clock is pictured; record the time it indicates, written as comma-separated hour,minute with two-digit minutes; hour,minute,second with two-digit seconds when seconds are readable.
2,22
